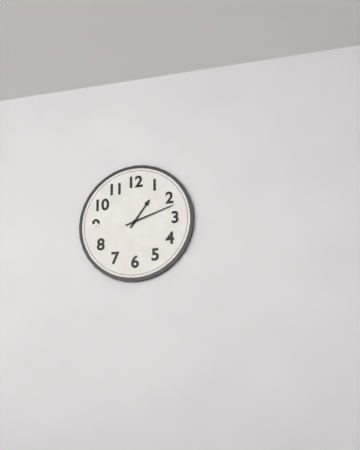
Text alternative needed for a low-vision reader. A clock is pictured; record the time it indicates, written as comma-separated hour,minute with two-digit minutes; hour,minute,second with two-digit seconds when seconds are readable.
1,12
